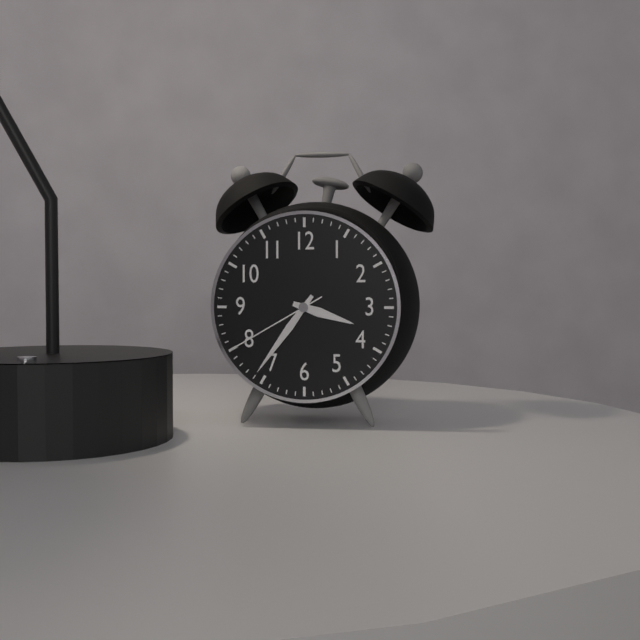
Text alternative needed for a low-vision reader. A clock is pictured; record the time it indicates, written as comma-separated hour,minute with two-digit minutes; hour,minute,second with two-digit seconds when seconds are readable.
3,36,40
